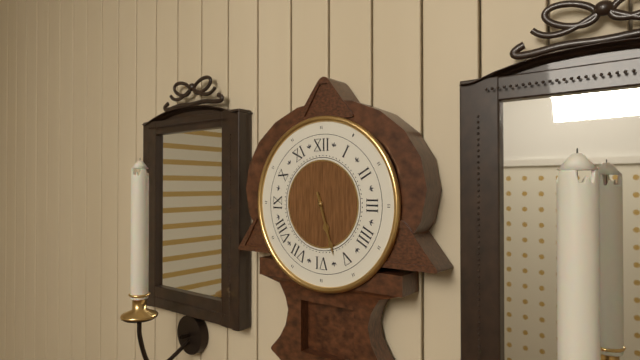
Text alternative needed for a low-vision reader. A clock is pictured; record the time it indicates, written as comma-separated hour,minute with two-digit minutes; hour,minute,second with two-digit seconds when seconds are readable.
5,27
